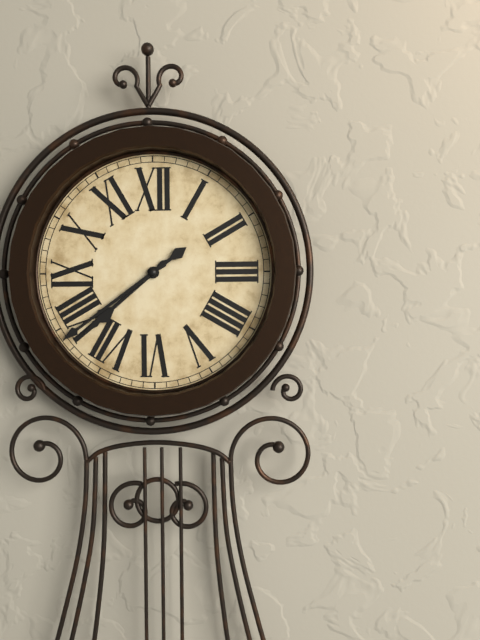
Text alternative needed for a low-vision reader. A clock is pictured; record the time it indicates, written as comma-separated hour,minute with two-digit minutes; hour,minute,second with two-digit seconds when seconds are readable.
7,39
